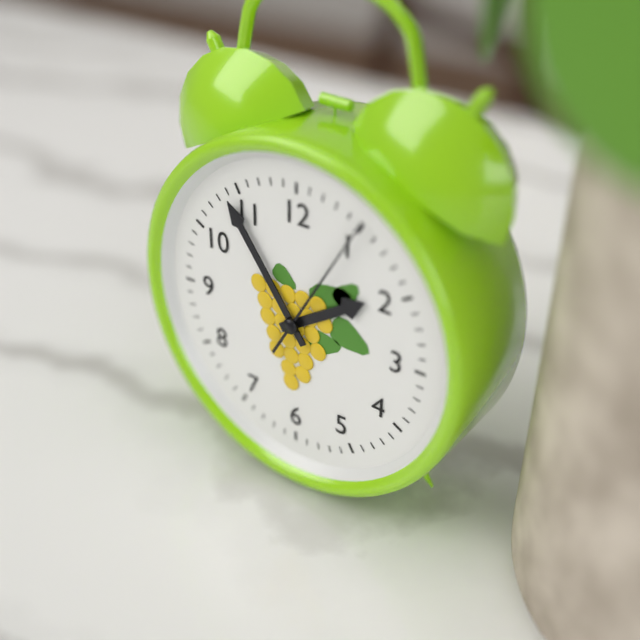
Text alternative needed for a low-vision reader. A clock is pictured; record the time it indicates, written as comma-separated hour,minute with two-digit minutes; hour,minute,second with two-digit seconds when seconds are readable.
1,54,05
